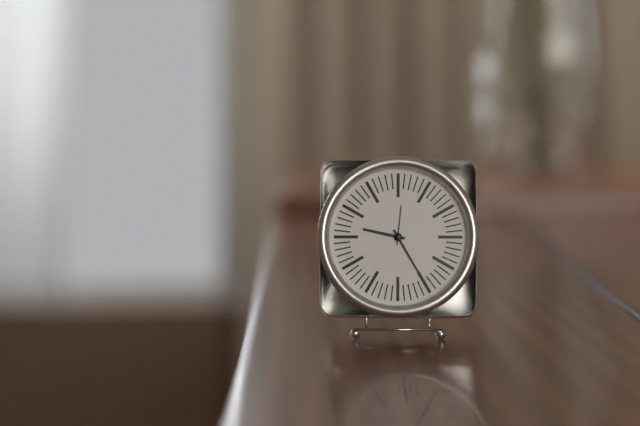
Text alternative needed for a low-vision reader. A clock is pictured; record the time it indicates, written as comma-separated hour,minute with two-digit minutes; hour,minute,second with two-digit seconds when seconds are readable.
9,25
